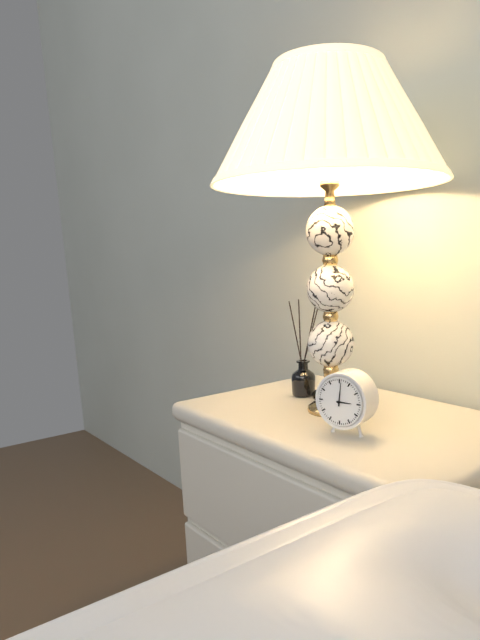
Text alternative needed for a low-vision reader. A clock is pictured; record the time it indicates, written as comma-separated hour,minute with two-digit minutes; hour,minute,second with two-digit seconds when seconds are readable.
3,01
